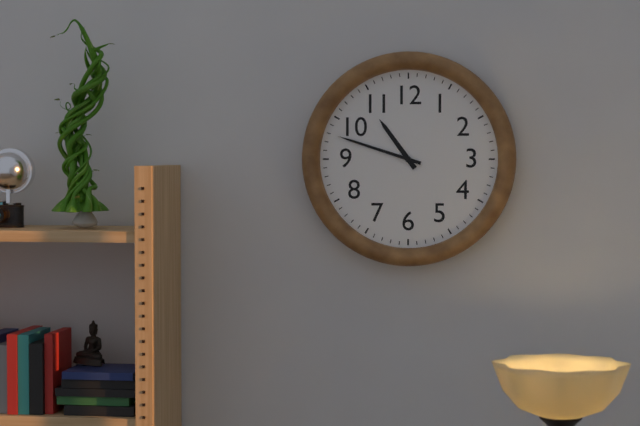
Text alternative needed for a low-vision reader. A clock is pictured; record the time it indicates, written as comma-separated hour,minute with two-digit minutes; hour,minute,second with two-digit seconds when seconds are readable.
10,48
